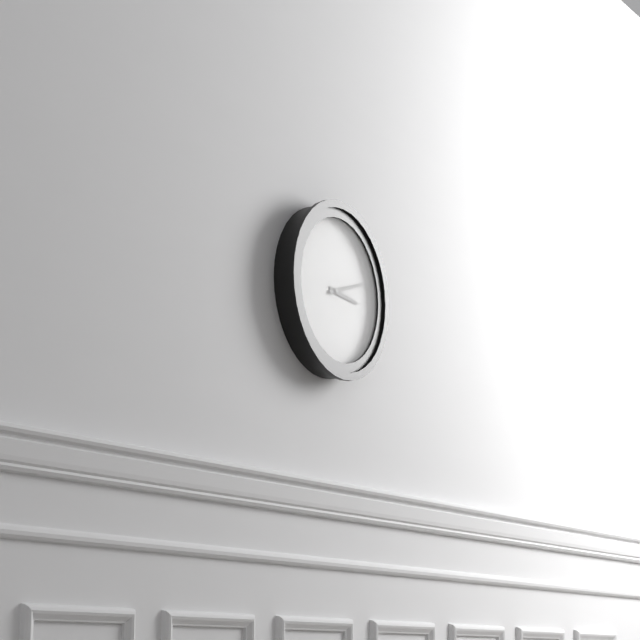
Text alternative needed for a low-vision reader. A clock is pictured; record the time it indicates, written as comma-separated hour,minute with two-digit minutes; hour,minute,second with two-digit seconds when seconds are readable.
3,12
